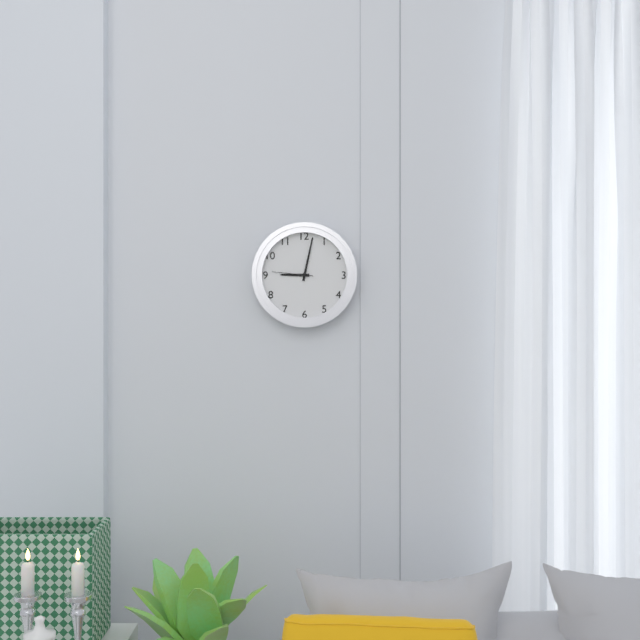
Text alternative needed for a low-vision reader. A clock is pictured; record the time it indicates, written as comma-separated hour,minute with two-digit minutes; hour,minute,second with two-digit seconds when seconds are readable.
9,02
